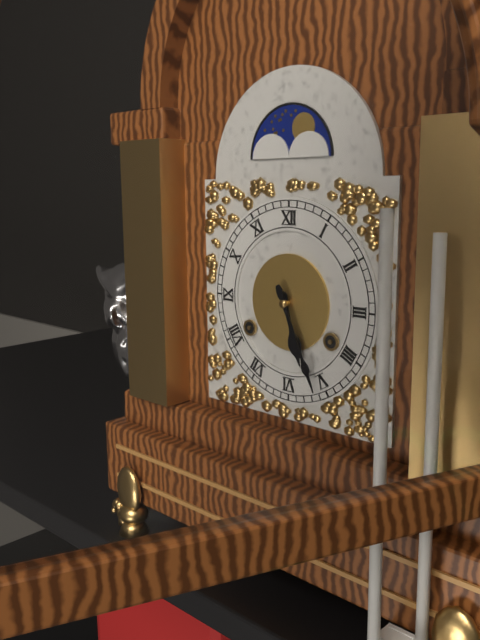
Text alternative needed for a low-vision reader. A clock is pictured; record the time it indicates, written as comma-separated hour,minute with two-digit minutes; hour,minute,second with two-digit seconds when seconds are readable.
5,26
